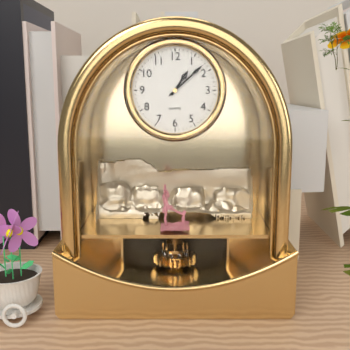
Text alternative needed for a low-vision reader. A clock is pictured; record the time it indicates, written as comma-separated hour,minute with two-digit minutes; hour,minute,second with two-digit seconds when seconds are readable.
1,08
